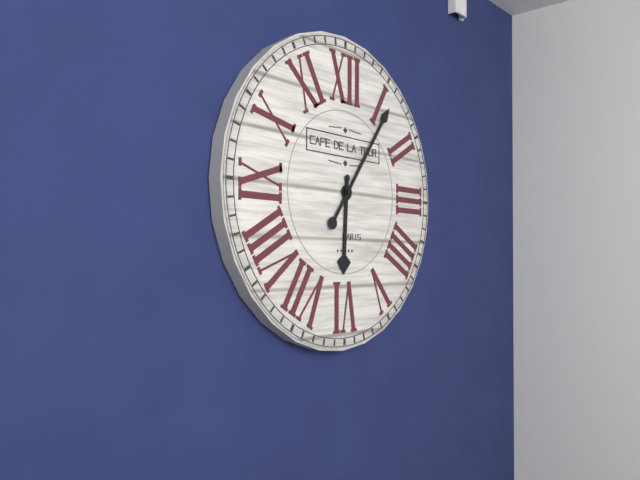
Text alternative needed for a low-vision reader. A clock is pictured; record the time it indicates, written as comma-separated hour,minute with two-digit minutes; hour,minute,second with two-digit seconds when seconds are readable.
6,06
